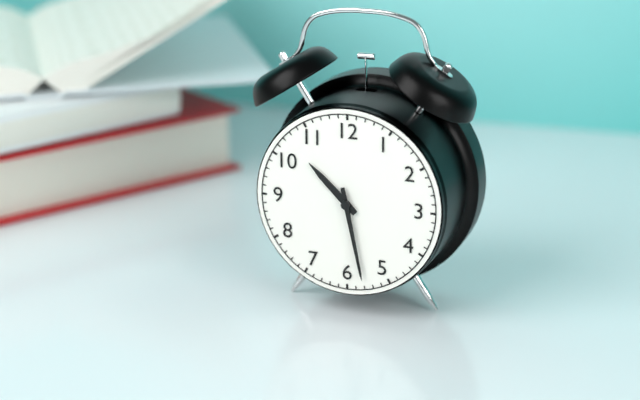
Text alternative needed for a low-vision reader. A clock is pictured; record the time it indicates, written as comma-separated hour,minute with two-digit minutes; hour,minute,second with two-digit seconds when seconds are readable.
10,28
